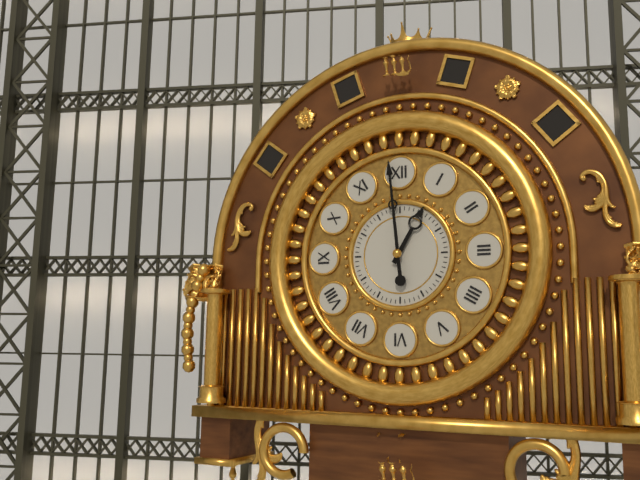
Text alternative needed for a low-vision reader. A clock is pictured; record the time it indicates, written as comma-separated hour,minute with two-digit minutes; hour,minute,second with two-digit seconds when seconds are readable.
12,59
